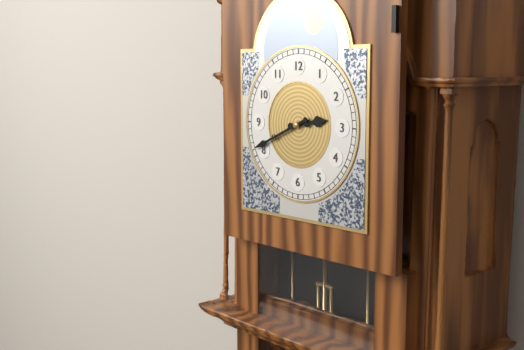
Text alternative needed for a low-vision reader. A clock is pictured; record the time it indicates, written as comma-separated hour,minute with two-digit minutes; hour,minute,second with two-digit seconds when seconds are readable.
2,41
